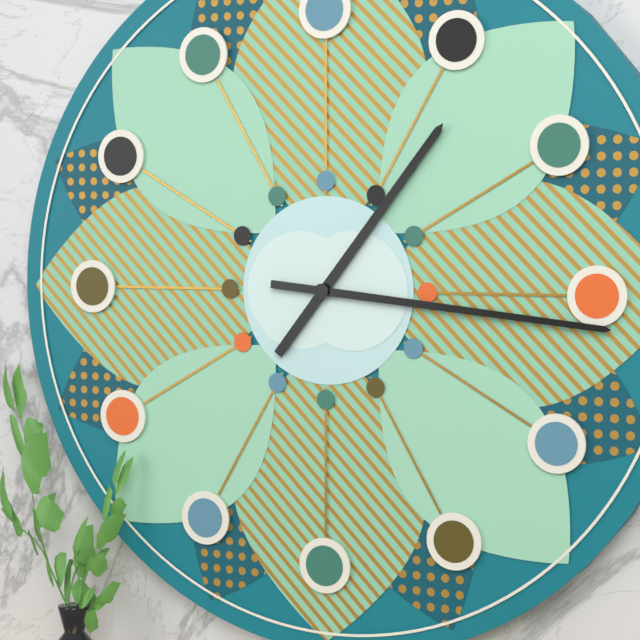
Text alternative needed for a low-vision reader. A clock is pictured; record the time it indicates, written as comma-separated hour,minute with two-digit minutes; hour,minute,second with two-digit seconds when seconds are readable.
1,16
